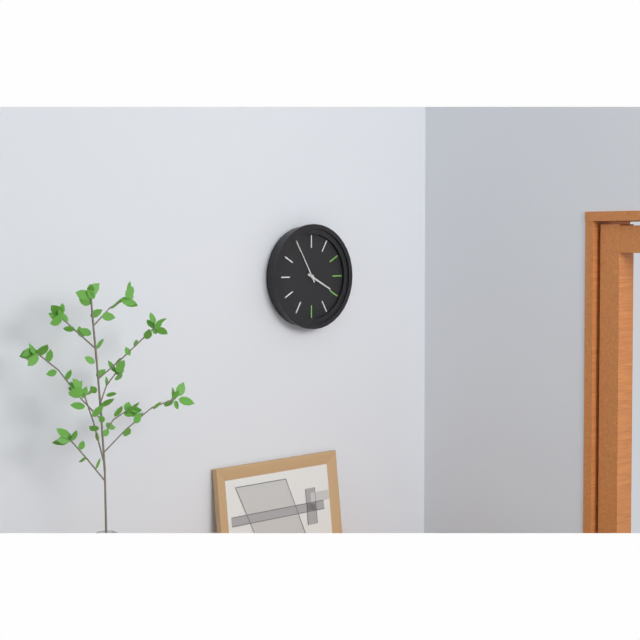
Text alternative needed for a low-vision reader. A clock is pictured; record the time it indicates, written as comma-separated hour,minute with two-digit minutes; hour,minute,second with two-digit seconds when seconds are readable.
3,55
